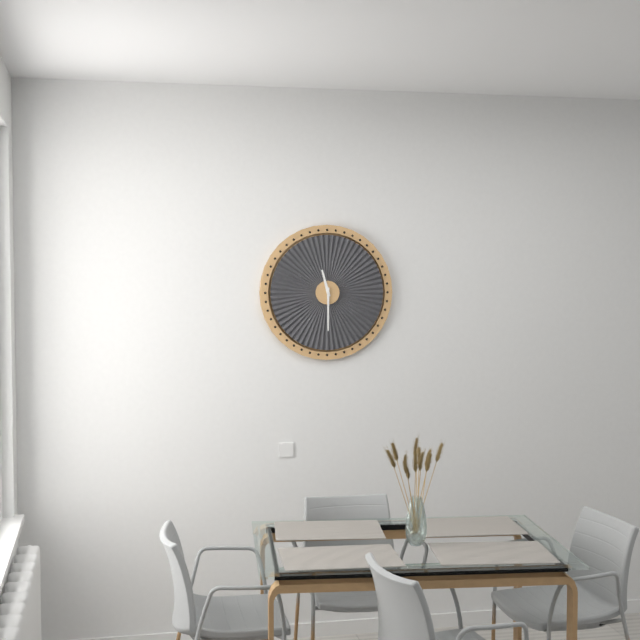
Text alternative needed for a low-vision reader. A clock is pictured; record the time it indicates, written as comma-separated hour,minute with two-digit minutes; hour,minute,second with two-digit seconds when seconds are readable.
11,30
